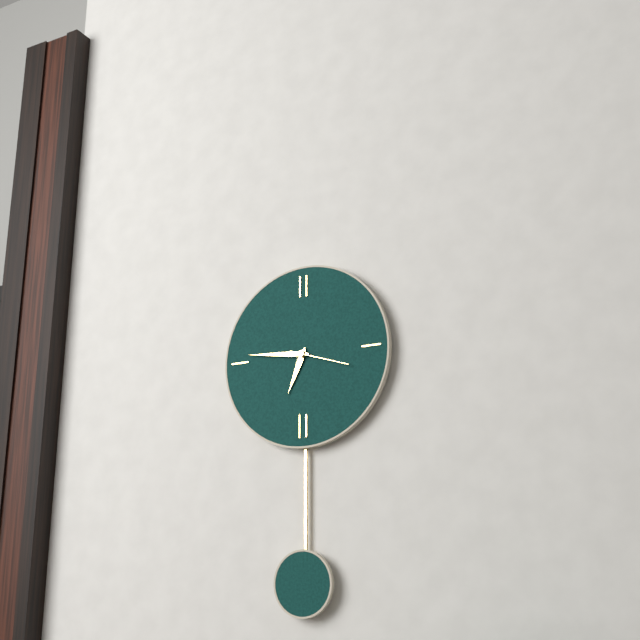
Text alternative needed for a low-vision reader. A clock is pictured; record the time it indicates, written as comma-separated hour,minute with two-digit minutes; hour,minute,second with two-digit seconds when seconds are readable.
6,46,18
